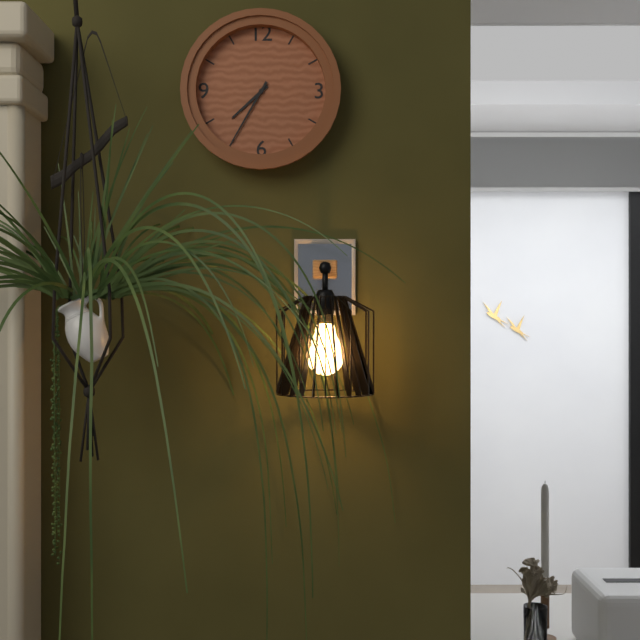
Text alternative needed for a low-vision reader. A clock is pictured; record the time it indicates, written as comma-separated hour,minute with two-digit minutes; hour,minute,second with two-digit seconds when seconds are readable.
7,35
